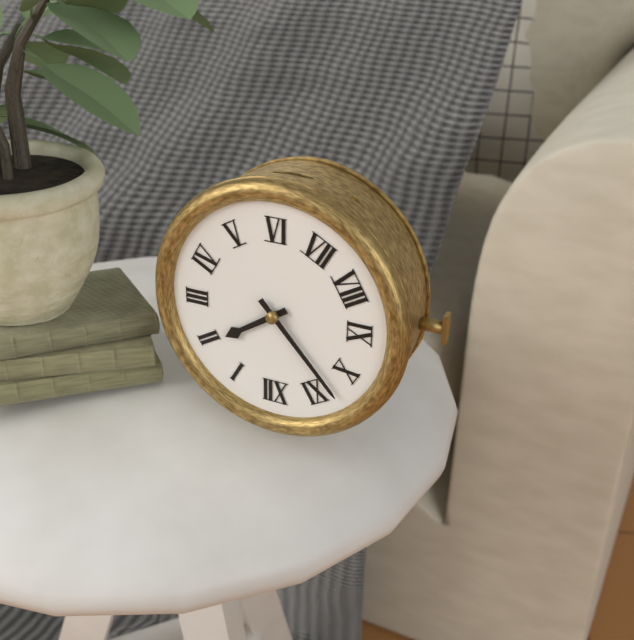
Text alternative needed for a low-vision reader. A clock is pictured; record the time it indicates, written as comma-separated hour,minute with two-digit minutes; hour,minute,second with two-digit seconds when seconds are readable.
1,53
